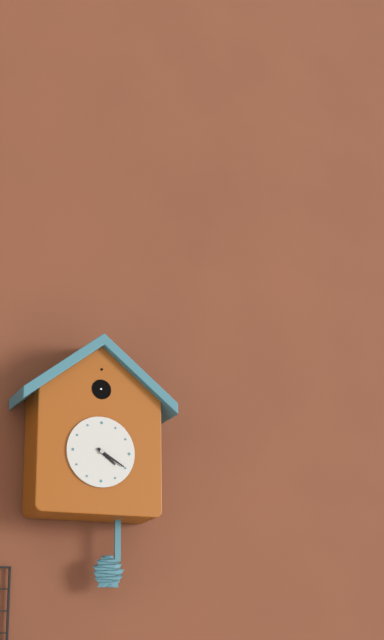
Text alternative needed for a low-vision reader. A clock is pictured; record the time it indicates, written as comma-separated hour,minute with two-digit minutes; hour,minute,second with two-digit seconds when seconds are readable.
4,20
